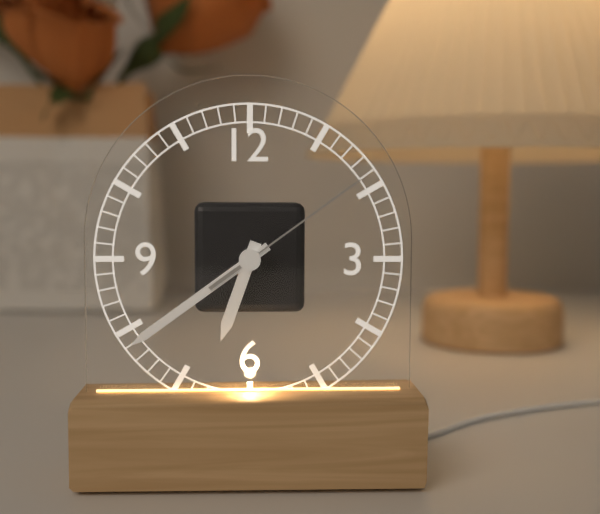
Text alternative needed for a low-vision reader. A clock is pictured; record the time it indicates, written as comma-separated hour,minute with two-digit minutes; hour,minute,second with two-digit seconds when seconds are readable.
6,39,09
